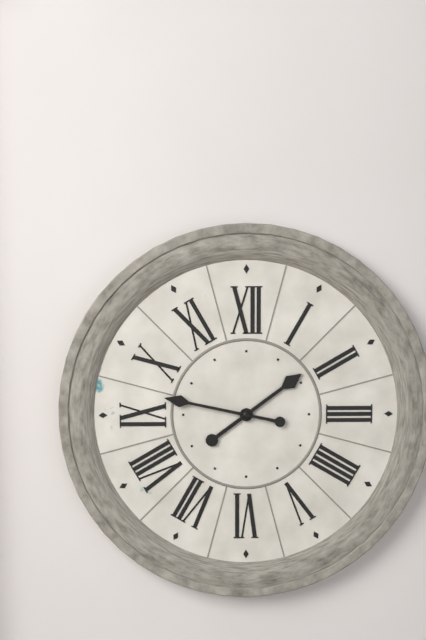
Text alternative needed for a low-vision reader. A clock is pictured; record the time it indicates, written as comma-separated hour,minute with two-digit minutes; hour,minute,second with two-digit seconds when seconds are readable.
1,47
